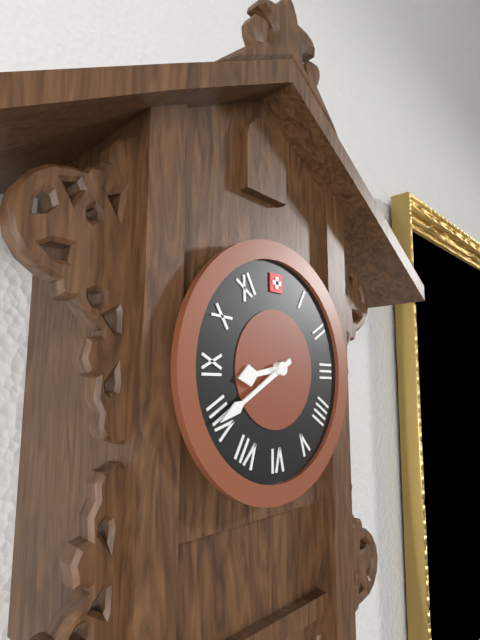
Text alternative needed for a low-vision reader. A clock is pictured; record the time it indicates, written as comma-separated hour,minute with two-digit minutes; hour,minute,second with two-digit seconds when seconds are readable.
8,40
